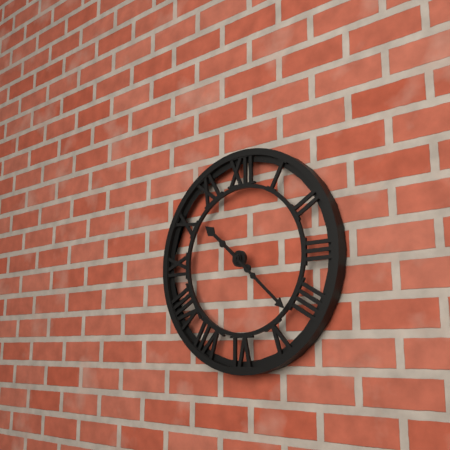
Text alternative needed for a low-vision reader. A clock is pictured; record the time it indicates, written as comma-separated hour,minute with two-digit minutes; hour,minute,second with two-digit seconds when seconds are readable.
10,22
